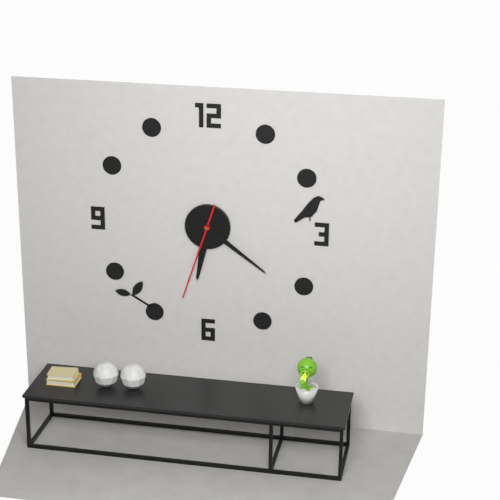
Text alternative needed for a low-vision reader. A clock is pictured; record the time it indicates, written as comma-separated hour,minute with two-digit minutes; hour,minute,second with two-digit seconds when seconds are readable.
6,21,33
